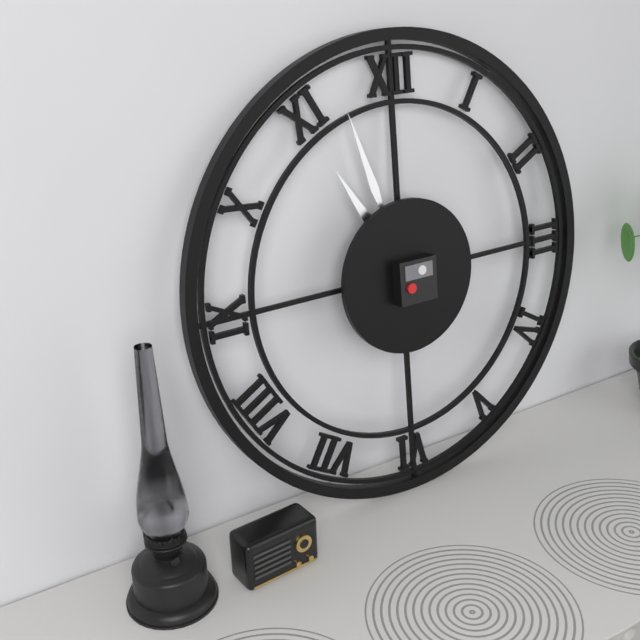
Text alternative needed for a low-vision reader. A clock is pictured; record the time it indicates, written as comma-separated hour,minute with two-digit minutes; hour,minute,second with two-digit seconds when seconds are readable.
10,57
